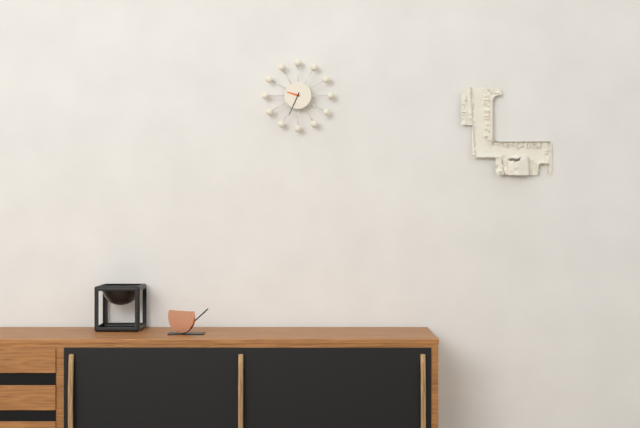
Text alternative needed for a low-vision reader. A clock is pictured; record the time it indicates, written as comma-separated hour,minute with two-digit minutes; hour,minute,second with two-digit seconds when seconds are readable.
9,34
